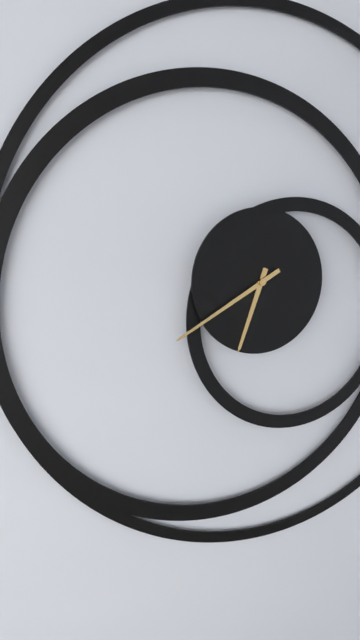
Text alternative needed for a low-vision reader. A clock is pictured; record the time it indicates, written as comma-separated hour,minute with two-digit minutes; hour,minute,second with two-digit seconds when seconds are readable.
6,40
